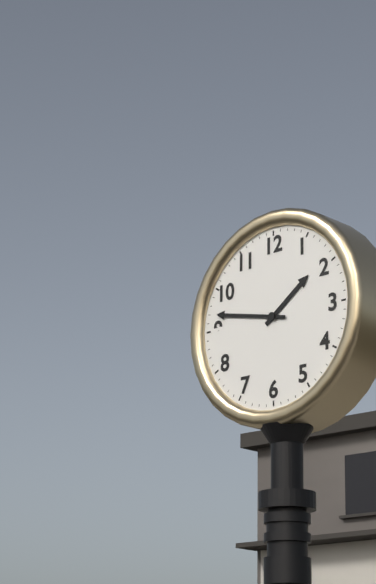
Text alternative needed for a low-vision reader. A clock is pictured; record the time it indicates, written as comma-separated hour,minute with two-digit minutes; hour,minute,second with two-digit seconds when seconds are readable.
1,47
